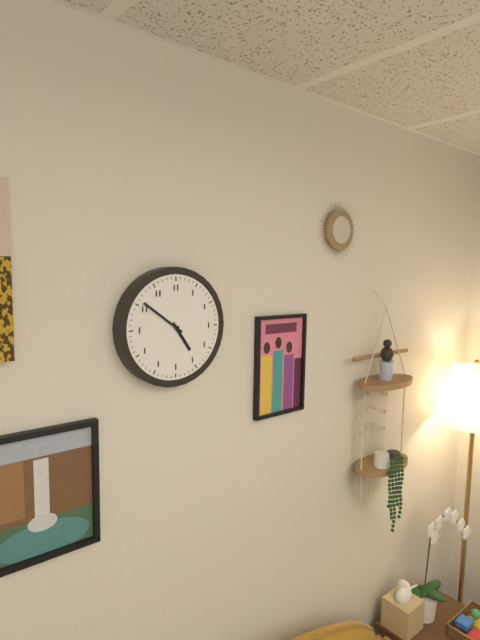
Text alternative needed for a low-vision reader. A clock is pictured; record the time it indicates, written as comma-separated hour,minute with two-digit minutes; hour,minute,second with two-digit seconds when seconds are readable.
4,51
